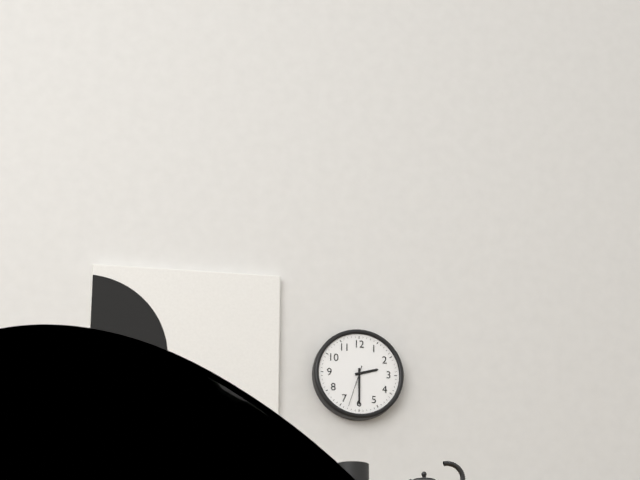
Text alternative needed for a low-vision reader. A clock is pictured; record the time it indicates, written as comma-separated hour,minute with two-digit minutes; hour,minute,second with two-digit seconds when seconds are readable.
2,30
